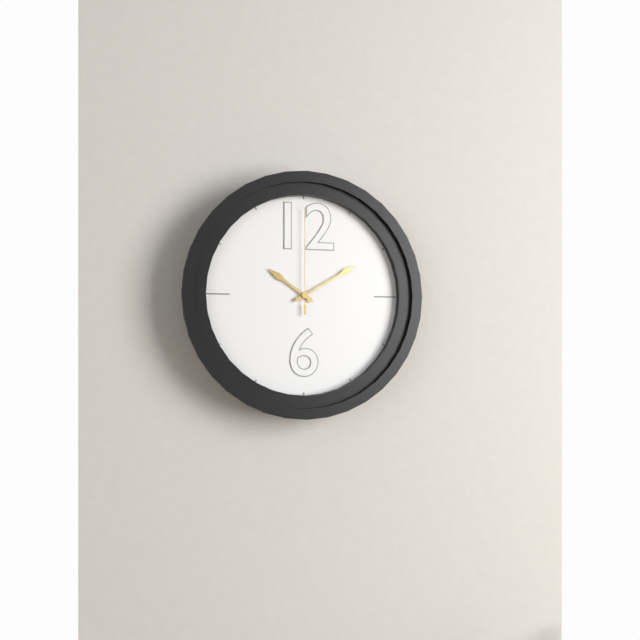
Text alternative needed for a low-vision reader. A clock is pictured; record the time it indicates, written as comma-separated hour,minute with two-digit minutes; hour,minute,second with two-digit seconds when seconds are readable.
10,10,00
